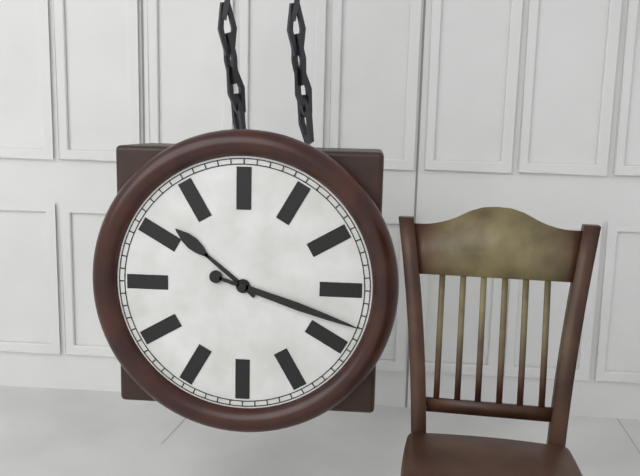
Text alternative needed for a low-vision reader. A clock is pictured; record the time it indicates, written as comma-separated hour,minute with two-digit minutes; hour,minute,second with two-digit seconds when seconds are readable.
10,18
